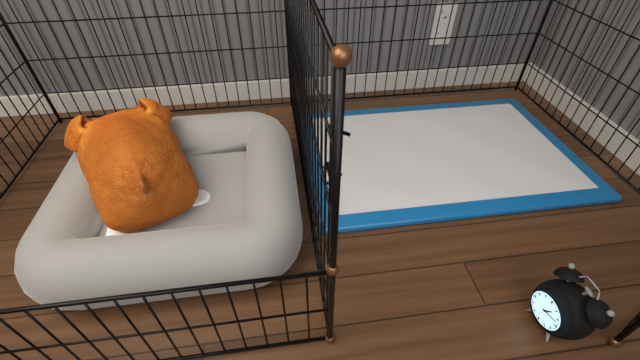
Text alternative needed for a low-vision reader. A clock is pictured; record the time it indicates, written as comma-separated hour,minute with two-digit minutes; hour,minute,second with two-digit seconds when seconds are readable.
1,12
